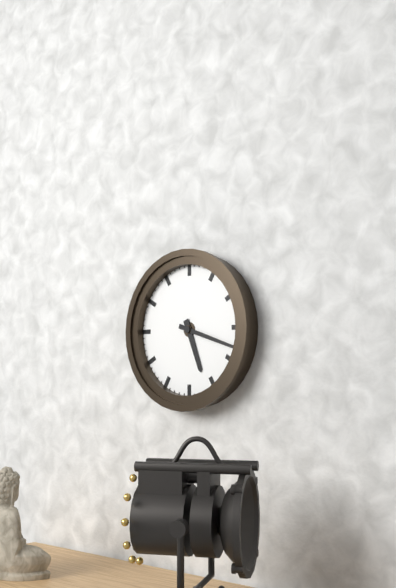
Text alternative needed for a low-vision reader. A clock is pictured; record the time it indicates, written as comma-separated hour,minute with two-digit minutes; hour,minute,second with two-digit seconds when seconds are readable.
5,18
